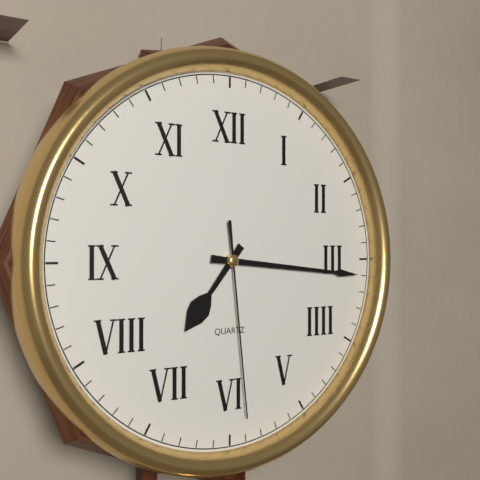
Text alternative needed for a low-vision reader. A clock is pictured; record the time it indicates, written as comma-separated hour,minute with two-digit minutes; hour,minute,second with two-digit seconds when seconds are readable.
7,16,29
